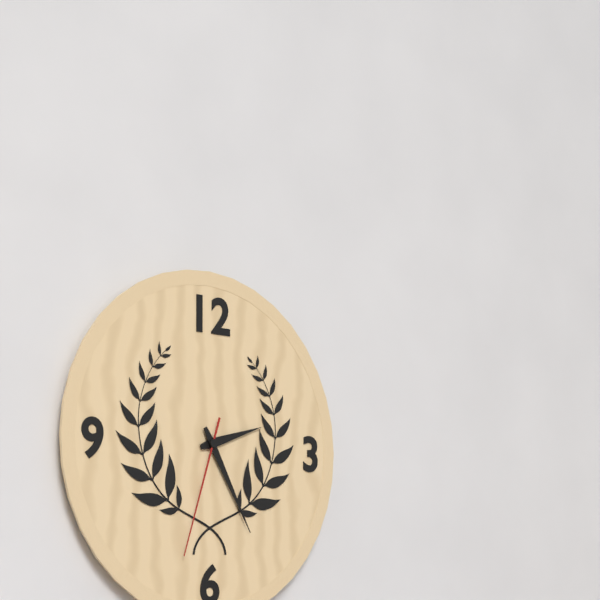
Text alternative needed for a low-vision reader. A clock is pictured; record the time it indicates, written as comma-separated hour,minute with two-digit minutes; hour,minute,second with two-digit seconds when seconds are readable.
2,25,33
